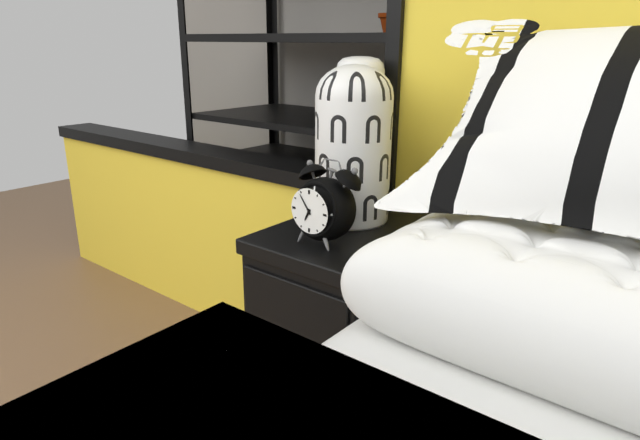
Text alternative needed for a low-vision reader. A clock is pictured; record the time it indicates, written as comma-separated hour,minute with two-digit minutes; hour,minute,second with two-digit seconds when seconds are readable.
6,54
